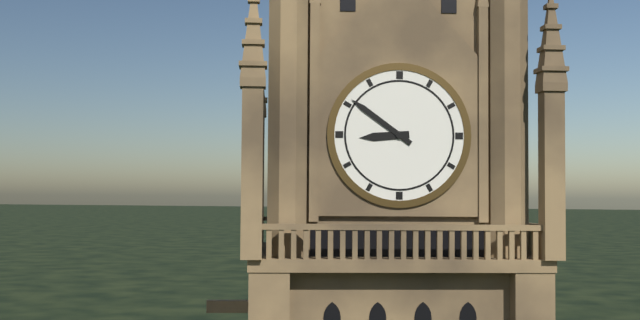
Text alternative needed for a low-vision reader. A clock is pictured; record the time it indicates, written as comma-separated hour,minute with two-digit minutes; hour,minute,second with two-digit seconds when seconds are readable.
8,51
